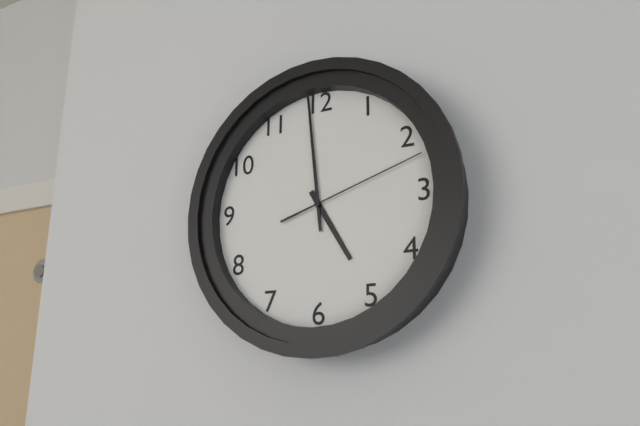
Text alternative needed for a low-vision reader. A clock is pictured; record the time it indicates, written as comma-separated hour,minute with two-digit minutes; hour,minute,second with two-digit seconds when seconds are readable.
4,59,12
